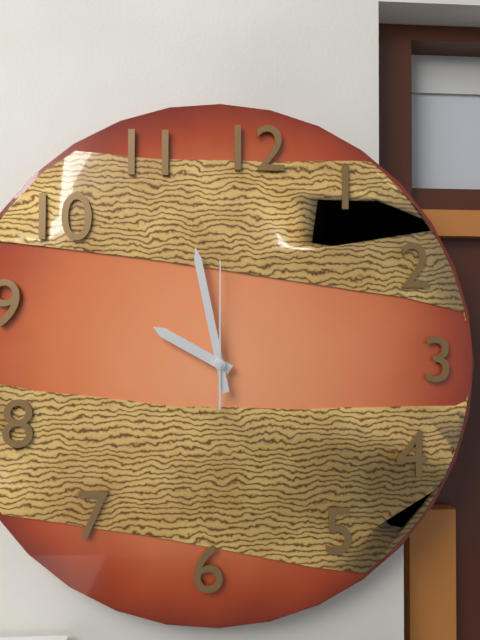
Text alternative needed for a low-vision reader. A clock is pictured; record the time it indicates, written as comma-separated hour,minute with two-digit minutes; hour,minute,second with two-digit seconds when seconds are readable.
9,58,00
